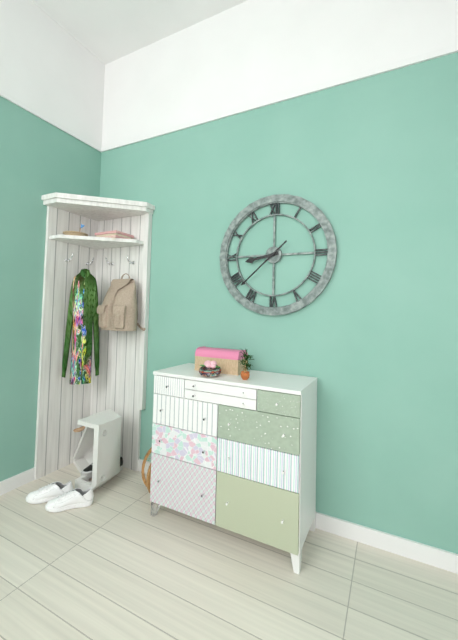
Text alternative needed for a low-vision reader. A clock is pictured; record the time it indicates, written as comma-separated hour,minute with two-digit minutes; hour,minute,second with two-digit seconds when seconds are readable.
8,38
